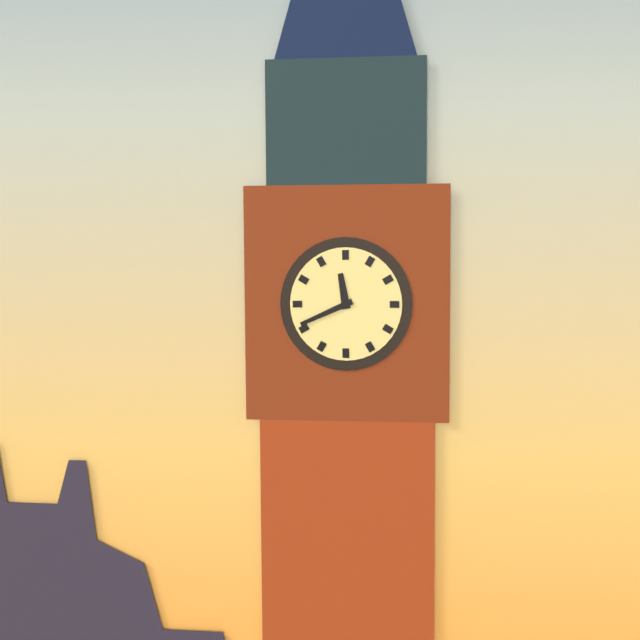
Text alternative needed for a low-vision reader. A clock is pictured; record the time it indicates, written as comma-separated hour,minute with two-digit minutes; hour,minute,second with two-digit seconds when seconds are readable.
11,41
